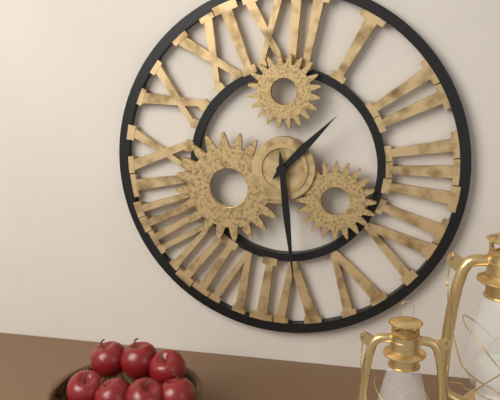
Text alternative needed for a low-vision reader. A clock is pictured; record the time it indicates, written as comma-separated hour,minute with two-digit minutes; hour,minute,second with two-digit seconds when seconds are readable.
1,29
